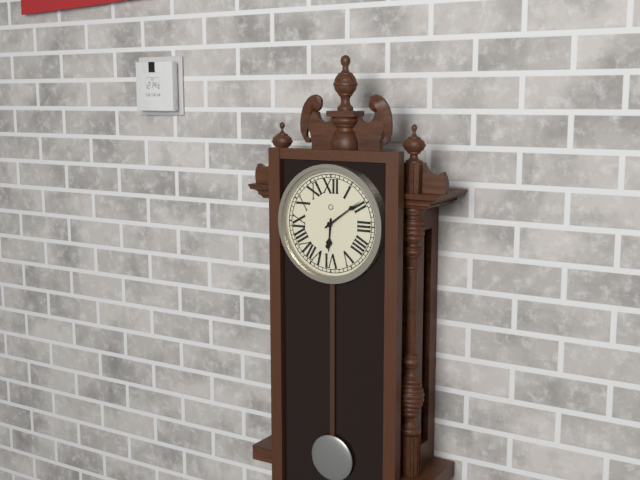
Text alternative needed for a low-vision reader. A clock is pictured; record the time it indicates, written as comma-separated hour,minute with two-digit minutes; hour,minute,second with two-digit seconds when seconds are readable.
6,09
